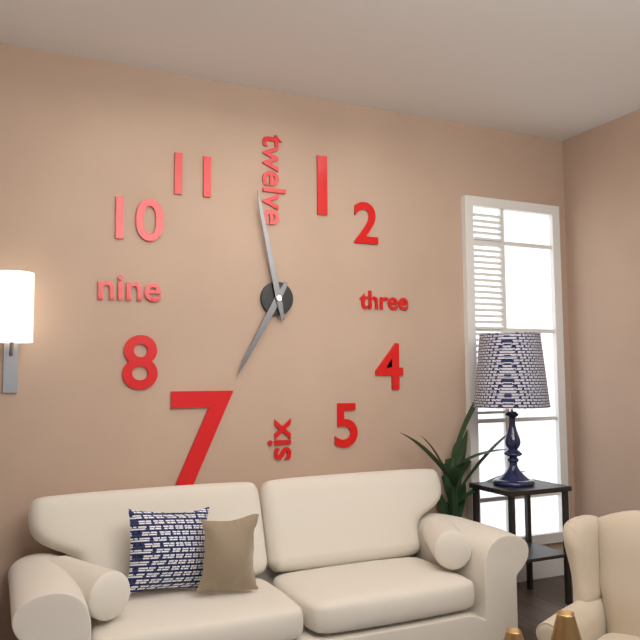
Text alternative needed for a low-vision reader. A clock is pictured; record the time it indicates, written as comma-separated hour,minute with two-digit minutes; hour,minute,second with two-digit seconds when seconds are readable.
6,58
